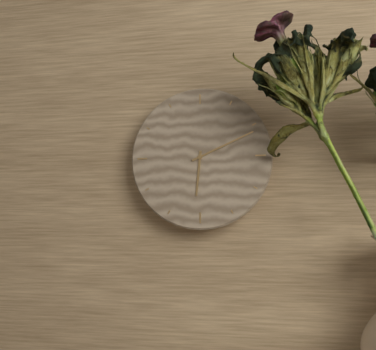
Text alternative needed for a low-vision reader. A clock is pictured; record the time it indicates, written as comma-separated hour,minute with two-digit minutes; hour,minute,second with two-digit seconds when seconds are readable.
6,11
